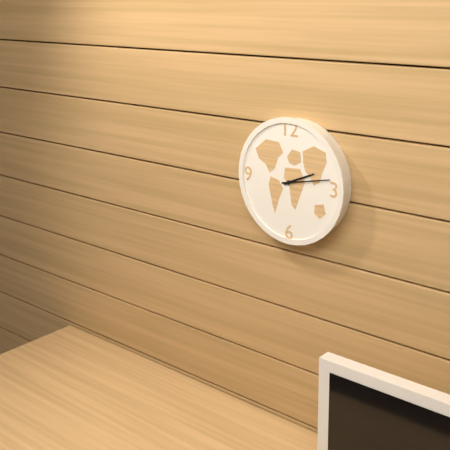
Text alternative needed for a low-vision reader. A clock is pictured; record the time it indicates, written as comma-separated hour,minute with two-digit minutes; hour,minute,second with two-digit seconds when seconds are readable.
2,13
